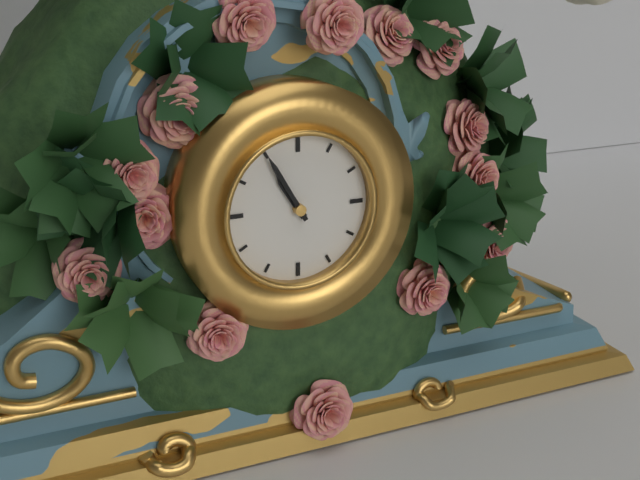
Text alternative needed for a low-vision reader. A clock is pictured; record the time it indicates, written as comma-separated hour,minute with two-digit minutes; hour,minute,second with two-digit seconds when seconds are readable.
10,55
